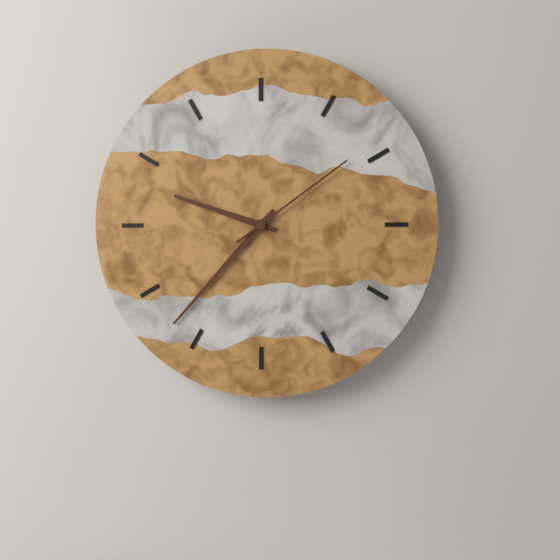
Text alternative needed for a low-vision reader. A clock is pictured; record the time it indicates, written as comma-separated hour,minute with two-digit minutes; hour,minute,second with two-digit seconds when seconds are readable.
9,37,09
